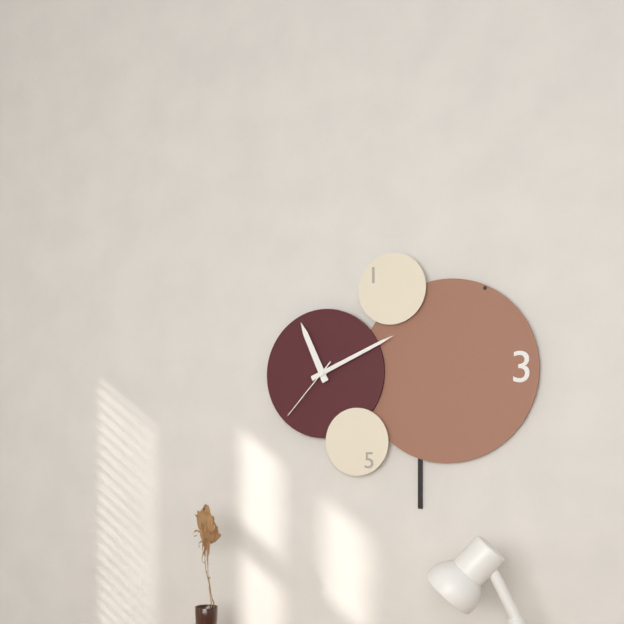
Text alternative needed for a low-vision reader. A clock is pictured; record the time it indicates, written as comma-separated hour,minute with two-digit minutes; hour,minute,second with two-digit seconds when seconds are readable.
11,11,37
